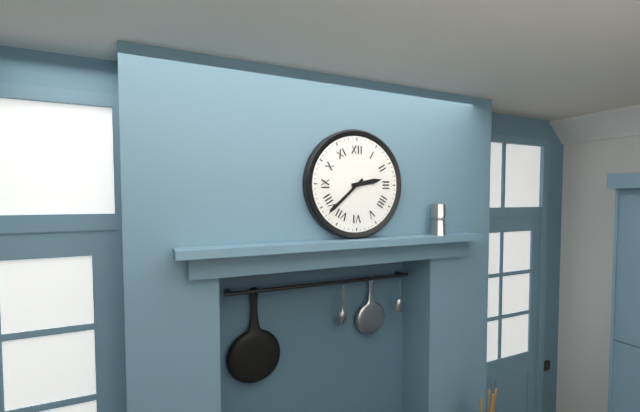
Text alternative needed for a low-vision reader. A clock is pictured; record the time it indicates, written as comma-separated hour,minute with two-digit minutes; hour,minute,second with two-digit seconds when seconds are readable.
2,38
